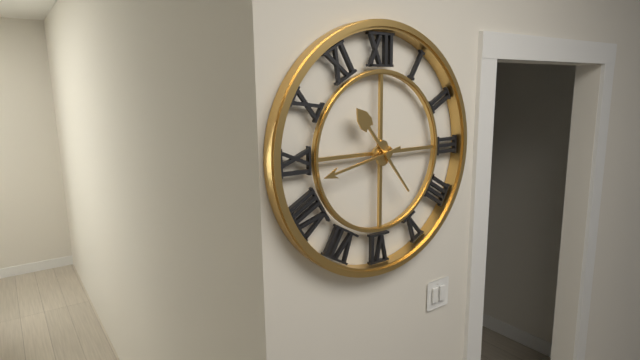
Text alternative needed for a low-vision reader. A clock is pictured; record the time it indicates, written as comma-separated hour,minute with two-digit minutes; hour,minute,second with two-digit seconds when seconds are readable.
10,43
